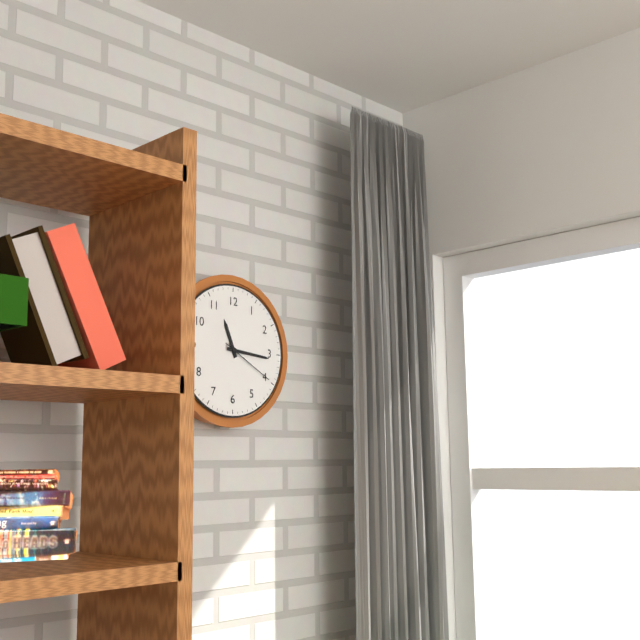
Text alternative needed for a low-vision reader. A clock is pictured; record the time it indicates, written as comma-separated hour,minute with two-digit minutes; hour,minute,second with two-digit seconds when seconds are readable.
11,16,20
